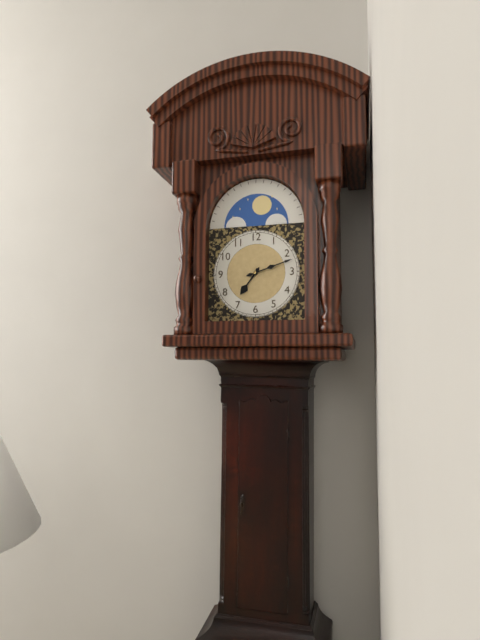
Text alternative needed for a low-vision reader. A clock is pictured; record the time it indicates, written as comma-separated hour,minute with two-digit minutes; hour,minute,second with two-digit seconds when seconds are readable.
7,12
